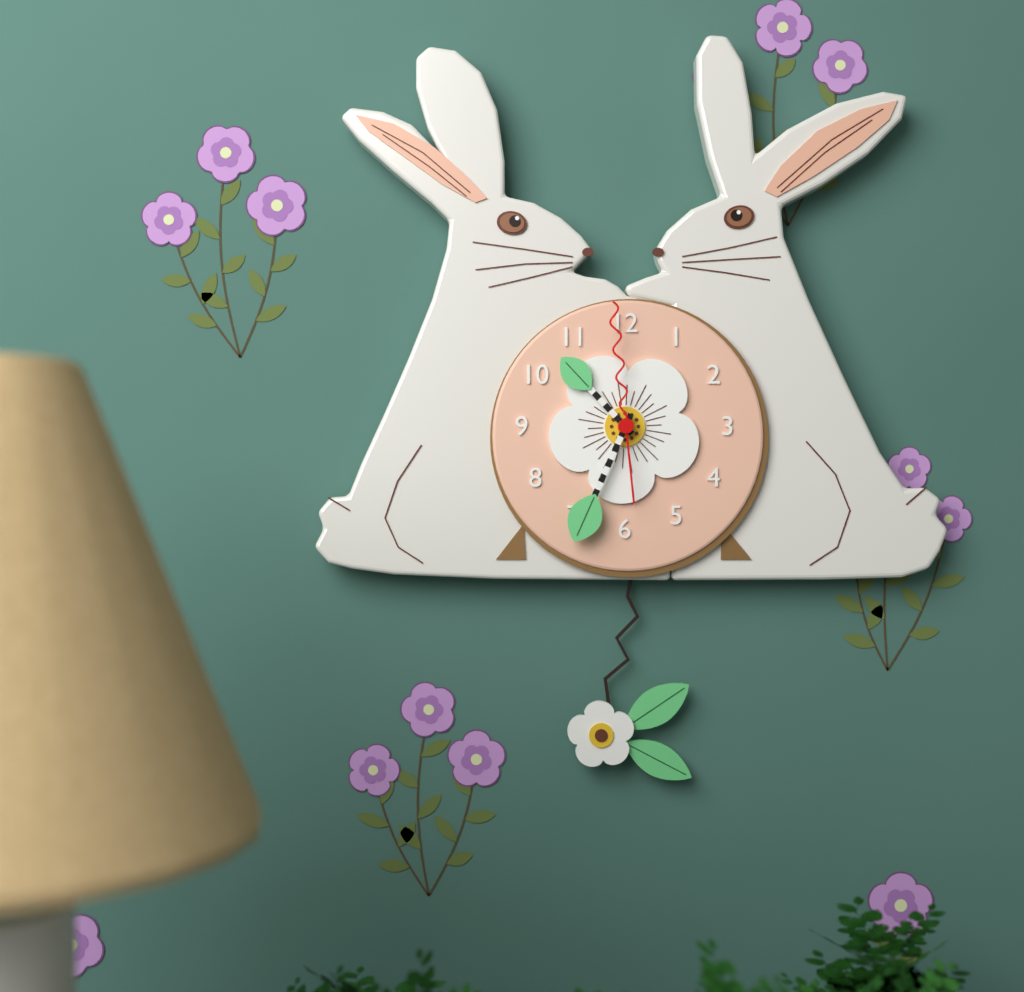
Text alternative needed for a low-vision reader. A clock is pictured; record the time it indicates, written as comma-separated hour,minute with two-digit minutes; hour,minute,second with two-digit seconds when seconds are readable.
10,34,59
